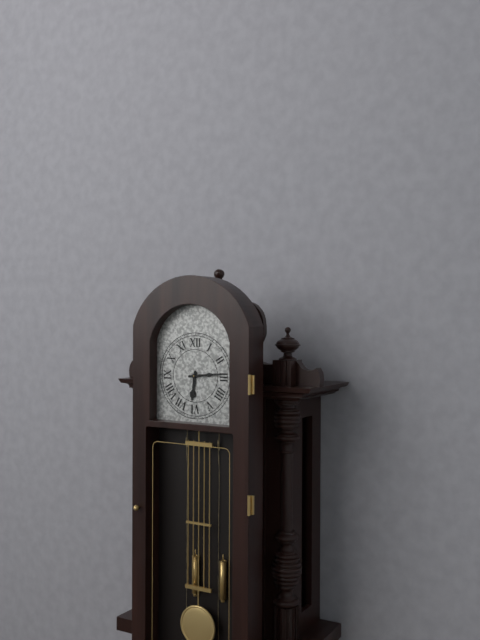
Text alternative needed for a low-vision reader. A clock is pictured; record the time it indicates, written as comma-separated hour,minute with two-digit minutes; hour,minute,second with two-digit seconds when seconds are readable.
6,14
